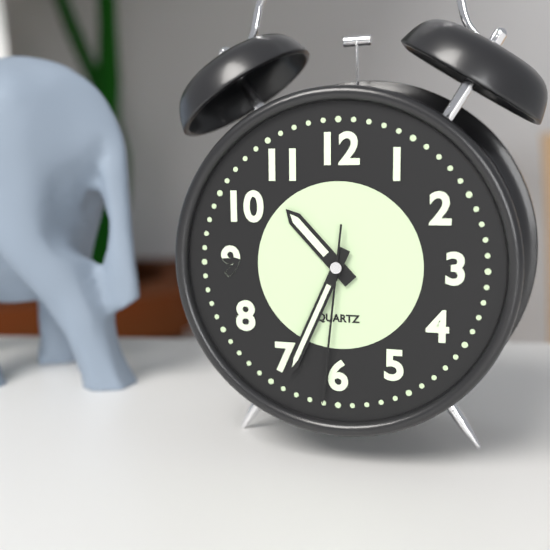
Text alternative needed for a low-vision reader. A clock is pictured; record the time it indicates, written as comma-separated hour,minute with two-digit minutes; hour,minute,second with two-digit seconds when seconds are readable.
10,34,31
